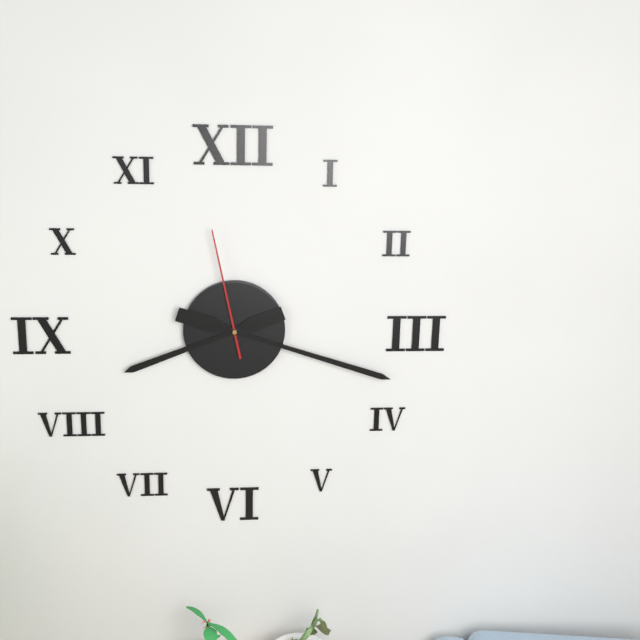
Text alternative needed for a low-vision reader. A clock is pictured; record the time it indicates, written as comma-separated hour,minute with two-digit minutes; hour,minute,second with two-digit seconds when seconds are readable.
8,18,58
